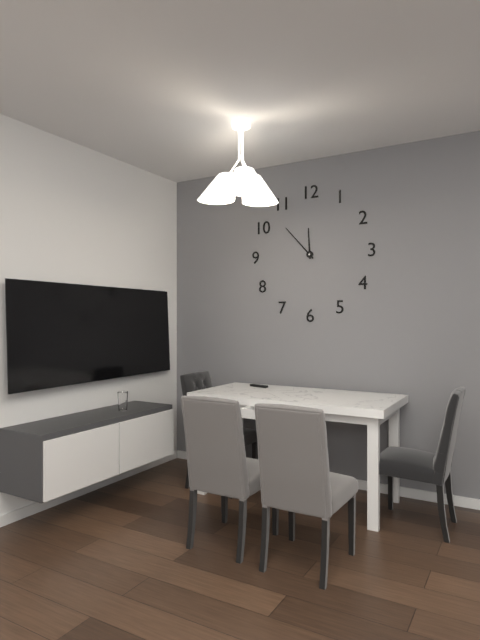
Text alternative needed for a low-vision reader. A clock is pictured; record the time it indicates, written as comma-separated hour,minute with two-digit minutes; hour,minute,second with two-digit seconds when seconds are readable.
11,53
